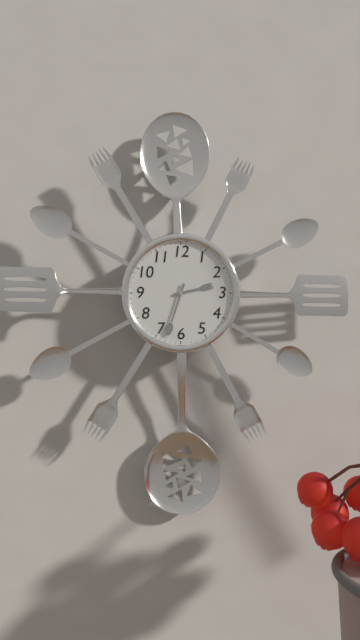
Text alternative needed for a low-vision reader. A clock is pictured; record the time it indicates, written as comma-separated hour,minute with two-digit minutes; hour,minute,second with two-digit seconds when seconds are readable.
2,33
